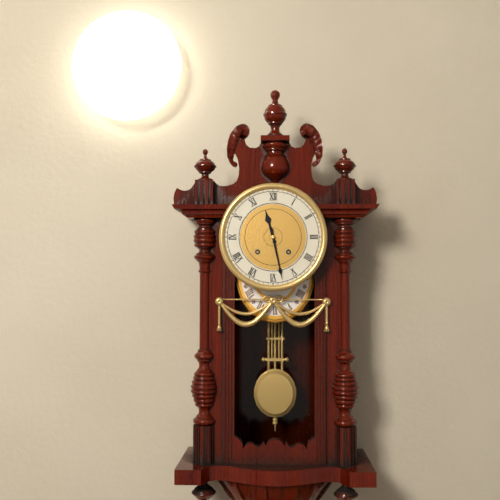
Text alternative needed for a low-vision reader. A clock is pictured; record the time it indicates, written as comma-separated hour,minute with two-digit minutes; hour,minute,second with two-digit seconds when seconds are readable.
11,28
